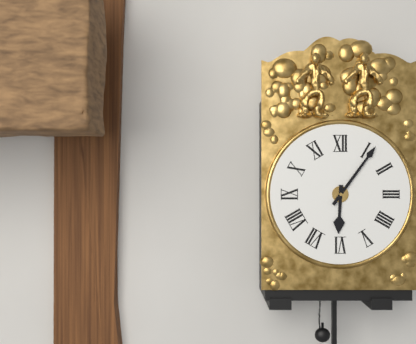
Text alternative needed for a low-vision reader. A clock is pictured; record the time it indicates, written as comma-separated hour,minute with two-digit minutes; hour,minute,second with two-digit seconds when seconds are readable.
6,06
